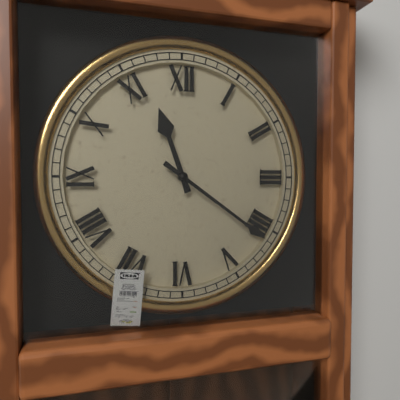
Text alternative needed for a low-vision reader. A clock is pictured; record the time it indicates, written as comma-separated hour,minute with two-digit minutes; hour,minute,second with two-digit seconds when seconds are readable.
11,21
